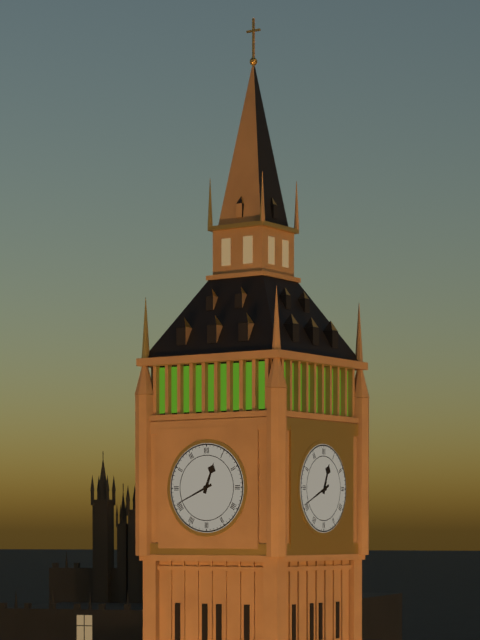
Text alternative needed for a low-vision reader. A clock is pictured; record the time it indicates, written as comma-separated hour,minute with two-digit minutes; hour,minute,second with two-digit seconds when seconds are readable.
12,41
